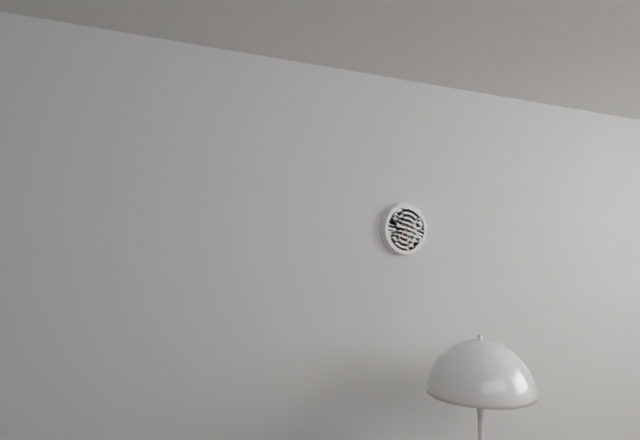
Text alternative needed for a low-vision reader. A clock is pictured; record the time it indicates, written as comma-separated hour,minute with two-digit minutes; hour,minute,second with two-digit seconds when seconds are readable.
7,29
